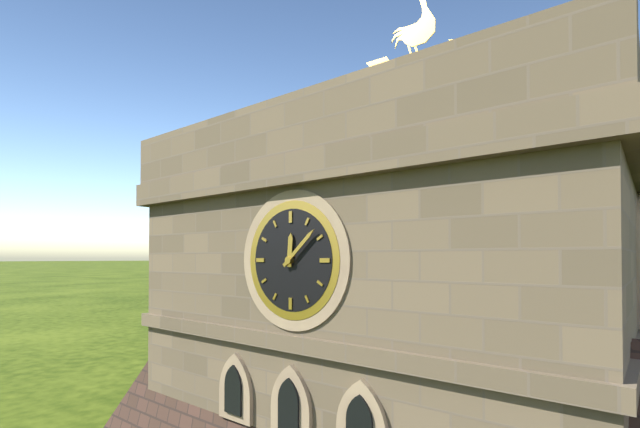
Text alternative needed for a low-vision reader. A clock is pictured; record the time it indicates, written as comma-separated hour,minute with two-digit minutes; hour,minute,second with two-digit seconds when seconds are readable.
12,08
